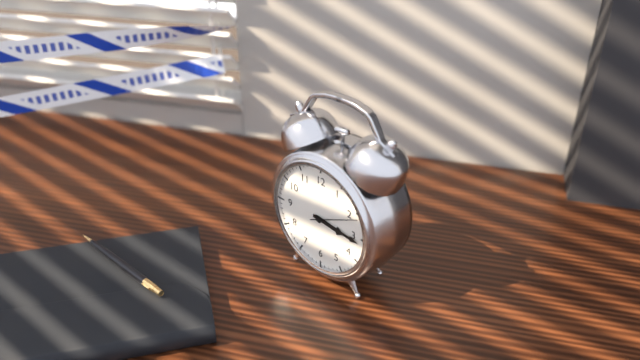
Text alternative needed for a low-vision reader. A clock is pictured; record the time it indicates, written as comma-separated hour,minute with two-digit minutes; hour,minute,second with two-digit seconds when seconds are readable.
3,16
